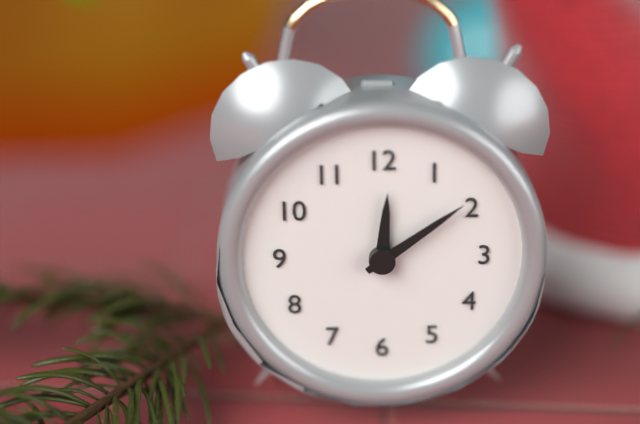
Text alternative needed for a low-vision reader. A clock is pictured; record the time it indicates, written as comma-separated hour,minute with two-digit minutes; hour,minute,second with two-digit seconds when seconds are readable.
12,09
